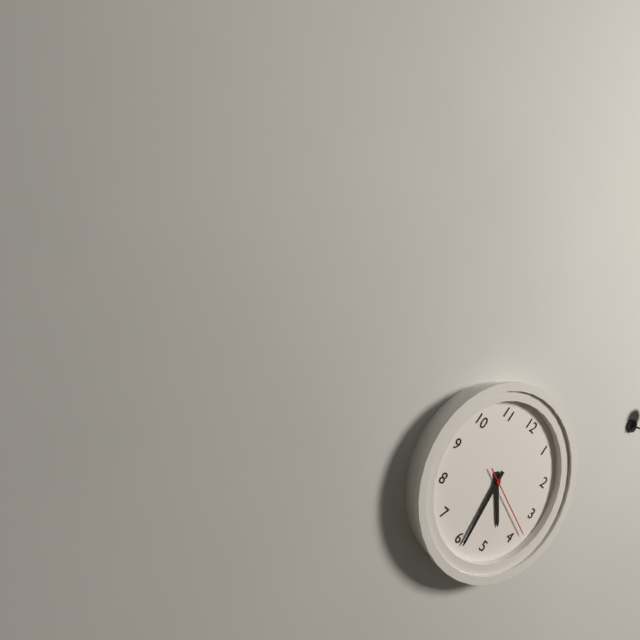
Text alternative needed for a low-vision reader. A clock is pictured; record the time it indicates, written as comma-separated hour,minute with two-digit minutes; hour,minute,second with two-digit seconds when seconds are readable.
4,29,18
